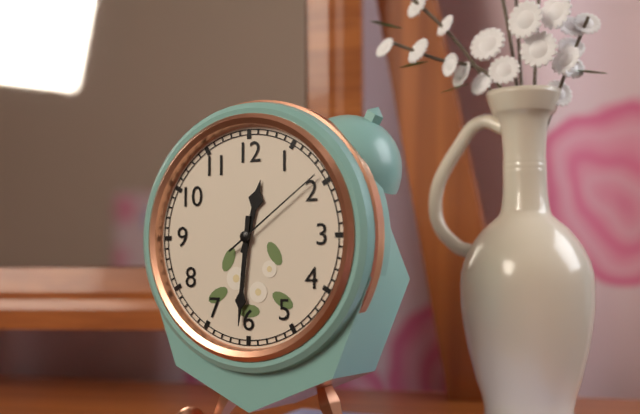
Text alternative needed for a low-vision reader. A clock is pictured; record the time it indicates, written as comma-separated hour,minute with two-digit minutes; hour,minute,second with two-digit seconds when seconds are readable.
12,31,09
